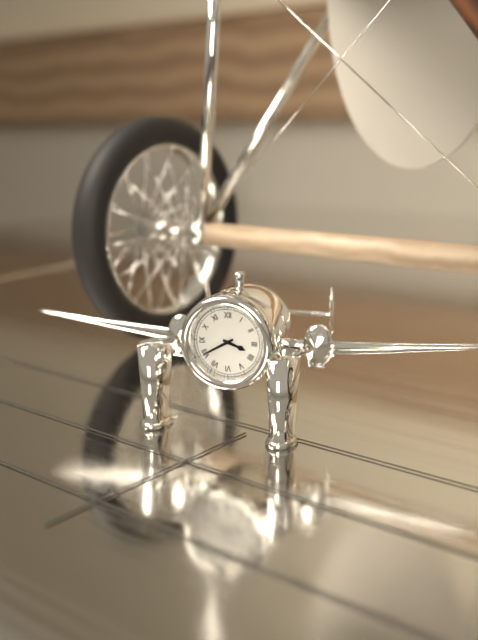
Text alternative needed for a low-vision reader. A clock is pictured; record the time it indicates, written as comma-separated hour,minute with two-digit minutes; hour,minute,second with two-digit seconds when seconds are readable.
3,40
